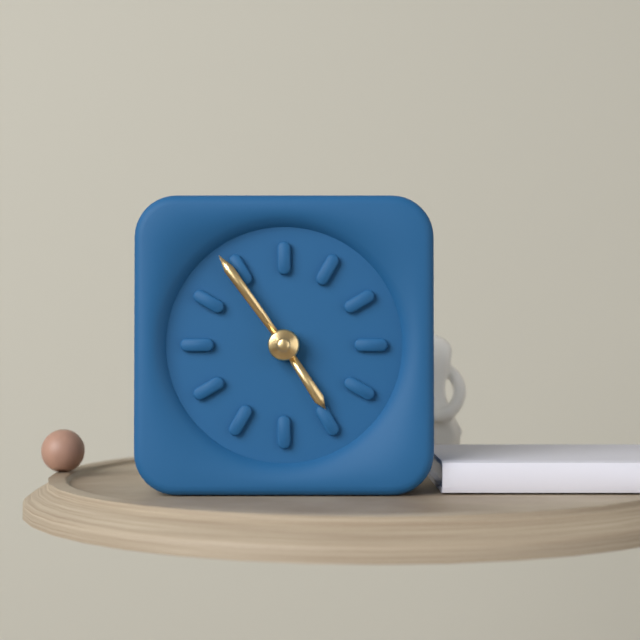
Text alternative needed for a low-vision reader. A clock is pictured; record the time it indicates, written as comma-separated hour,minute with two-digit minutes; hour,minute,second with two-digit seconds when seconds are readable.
4,54
